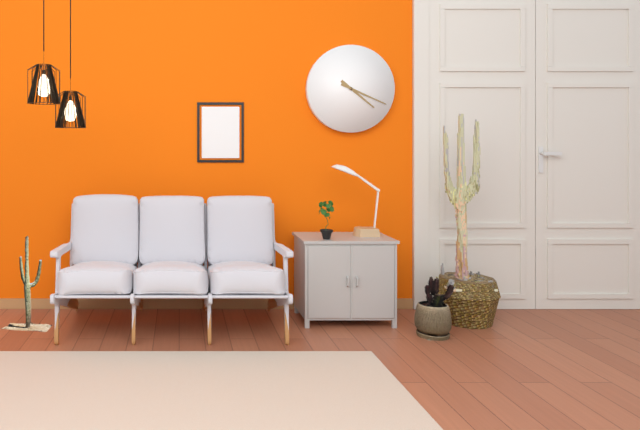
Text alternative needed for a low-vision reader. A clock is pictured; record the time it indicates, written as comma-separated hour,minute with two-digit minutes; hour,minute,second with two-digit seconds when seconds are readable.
4,19
